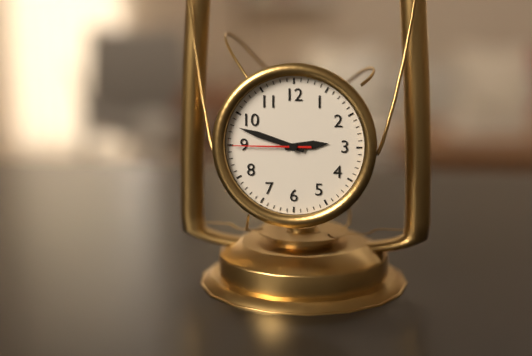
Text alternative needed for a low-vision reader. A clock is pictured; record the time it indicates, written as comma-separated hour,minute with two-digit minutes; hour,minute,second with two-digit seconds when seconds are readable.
2,48,45
